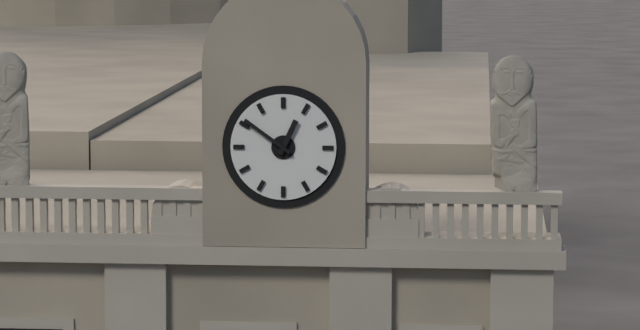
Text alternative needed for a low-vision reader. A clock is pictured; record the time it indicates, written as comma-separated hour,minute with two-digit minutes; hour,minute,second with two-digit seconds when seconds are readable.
12,51
